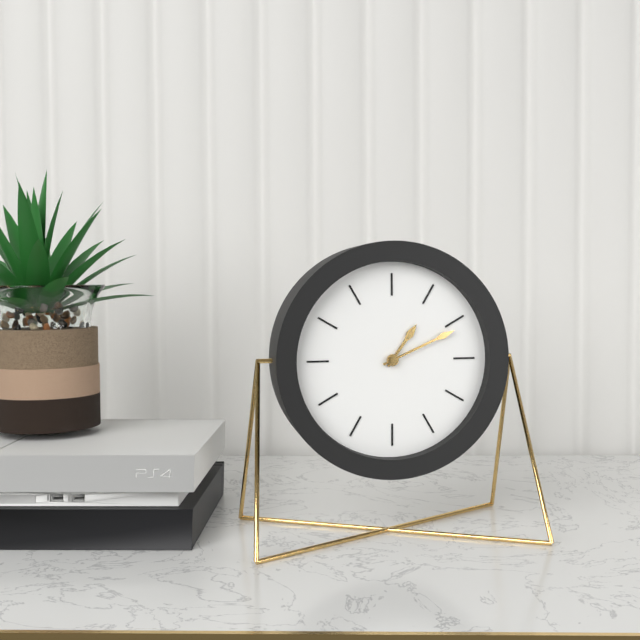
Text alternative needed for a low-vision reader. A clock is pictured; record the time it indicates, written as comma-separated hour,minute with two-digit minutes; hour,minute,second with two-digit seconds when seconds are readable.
1,11
